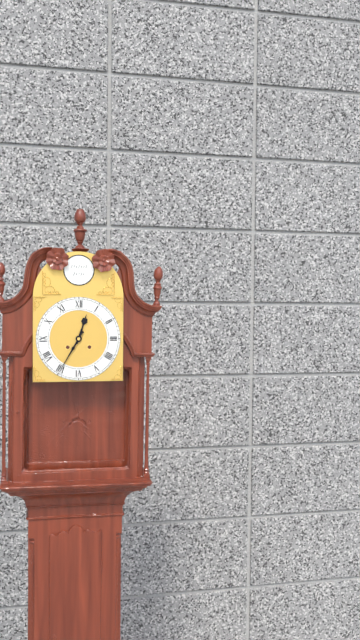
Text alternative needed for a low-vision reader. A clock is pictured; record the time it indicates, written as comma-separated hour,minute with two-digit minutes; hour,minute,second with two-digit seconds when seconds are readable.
12,35
